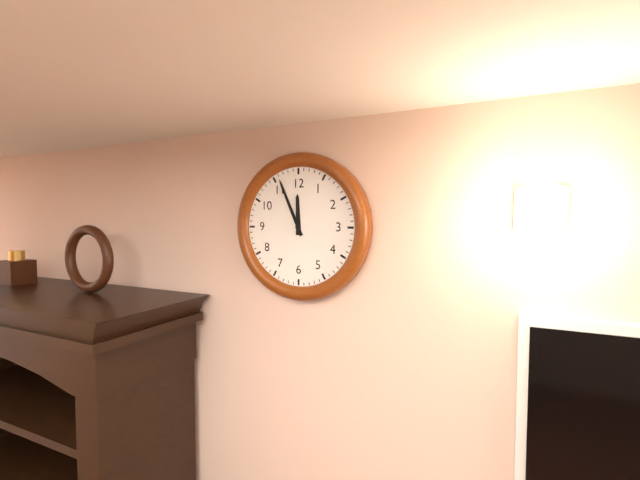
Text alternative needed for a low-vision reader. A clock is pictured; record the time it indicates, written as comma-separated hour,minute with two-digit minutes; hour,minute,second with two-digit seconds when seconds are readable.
11,56
